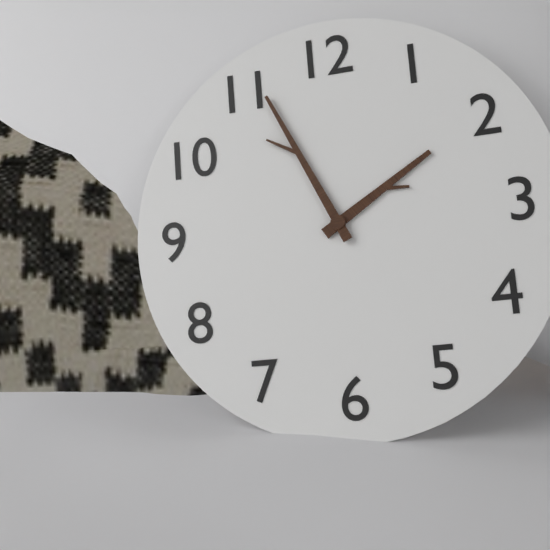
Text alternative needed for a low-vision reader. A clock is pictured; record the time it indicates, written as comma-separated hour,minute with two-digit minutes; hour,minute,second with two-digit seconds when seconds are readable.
1,56
